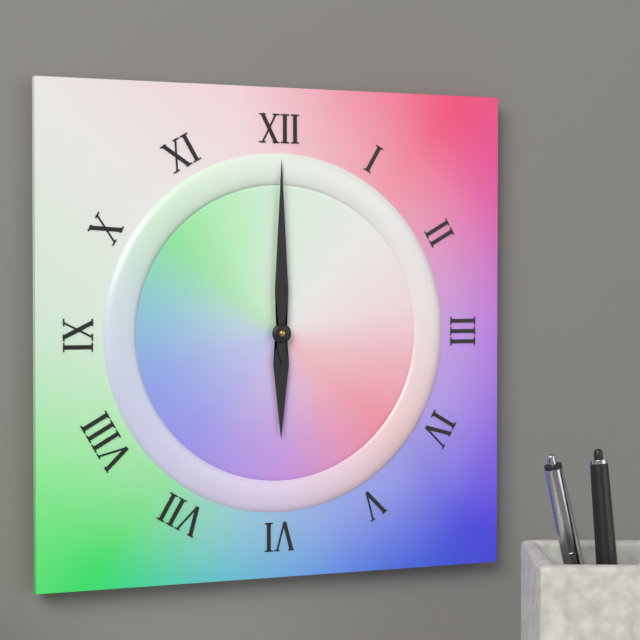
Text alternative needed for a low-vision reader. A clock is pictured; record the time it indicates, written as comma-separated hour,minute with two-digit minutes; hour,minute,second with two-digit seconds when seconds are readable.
6,00
